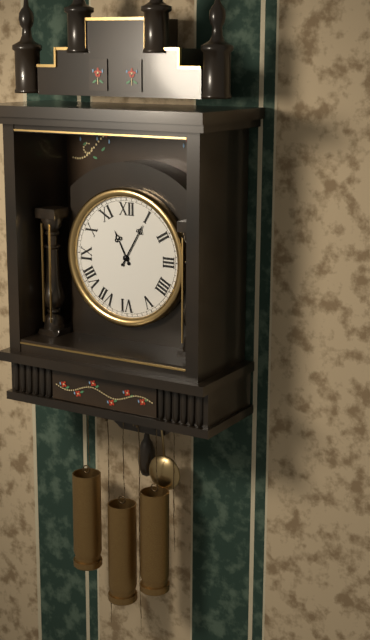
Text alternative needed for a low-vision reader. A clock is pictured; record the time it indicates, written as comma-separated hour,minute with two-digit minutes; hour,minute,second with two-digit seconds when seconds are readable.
11,05
